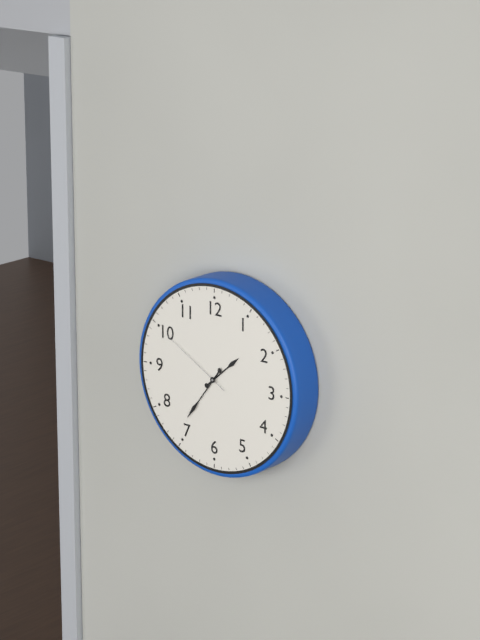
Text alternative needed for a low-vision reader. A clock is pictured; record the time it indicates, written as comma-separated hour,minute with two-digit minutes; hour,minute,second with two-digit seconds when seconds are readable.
1,36,50
